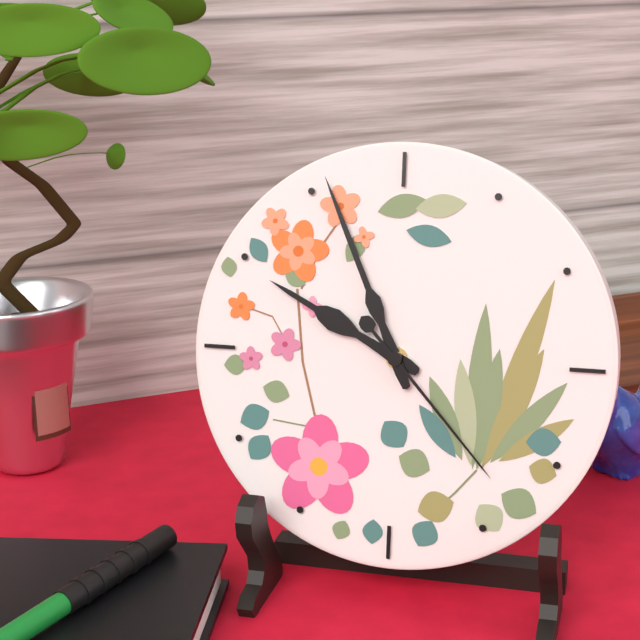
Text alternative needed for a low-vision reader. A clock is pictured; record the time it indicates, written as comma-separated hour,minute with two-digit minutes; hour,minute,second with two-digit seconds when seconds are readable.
9,56,23
